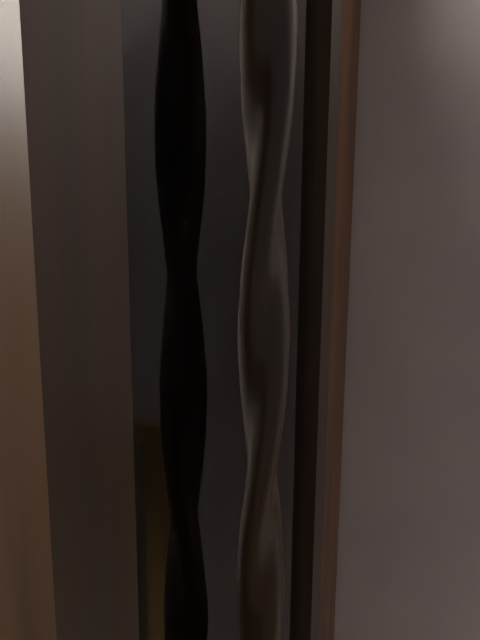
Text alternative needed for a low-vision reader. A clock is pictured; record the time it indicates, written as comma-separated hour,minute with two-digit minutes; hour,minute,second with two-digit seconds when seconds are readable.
11,48
